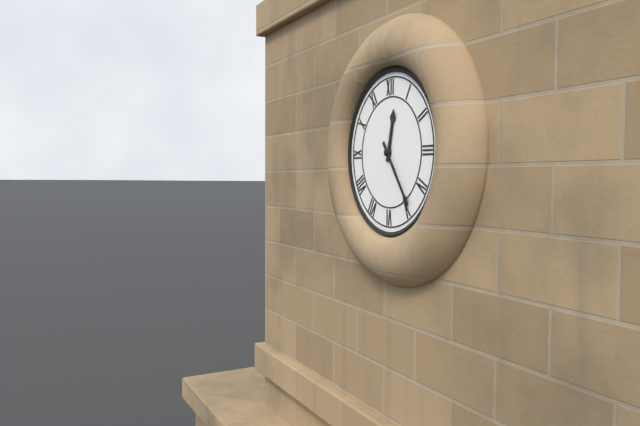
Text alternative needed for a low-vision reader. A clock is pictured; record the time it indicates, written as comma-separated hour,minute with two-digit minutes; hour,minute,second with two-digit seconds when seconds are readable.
12,24
